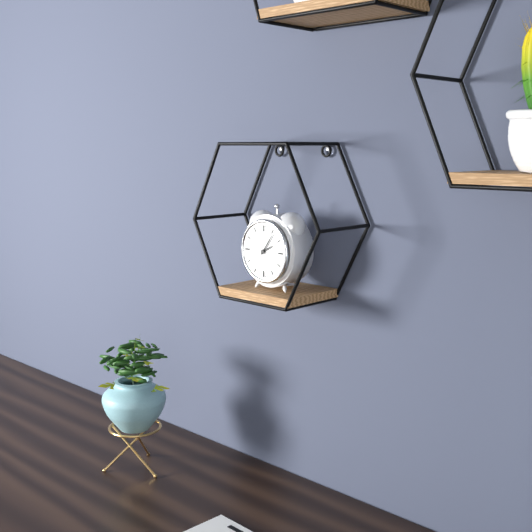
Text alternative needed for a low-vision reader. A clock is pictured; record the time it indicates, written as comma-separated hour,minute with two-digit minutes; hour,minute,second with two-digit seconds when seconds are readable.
2,06
